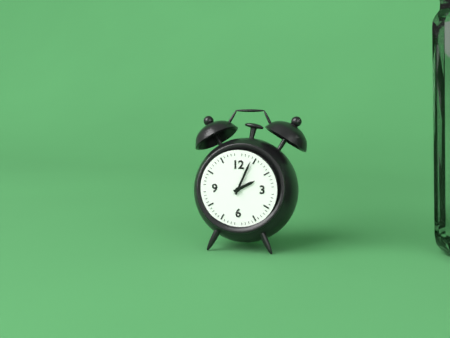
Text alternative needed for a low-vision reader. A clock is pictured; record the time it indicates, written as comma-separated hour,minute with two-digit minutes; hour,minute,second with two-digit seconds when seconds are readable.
2,04
